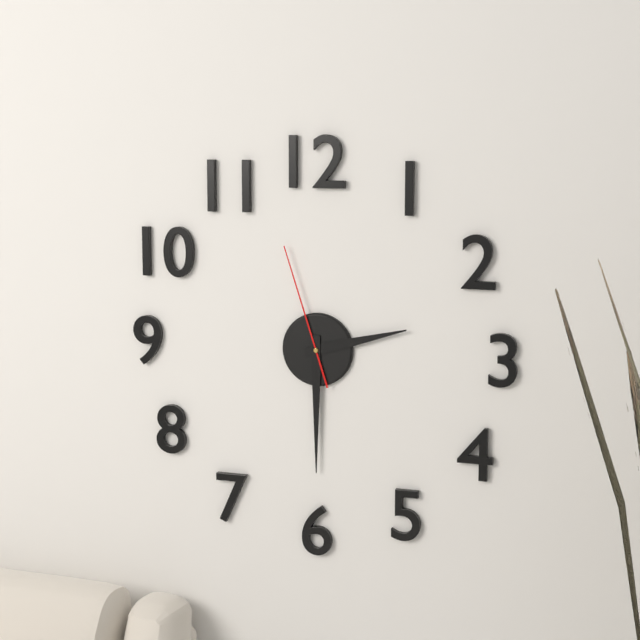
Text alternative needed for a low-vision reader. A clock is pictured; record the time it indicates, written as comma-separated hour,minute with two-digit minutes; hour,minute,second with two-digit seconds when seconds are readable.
2,30,57
